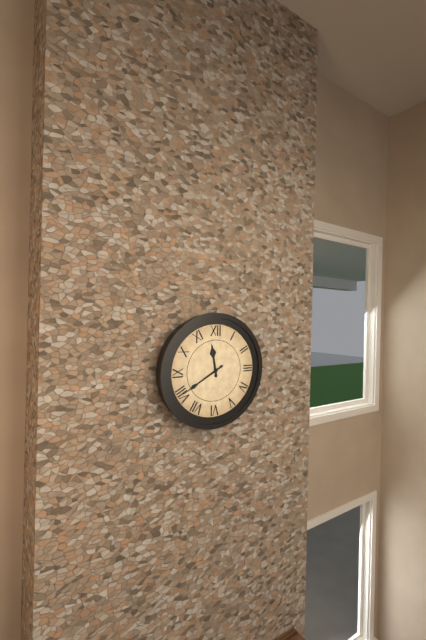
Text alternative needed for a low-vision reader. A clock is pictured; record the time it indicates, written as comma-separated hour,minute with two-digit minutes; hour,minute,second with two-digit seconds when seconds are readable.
11,40
